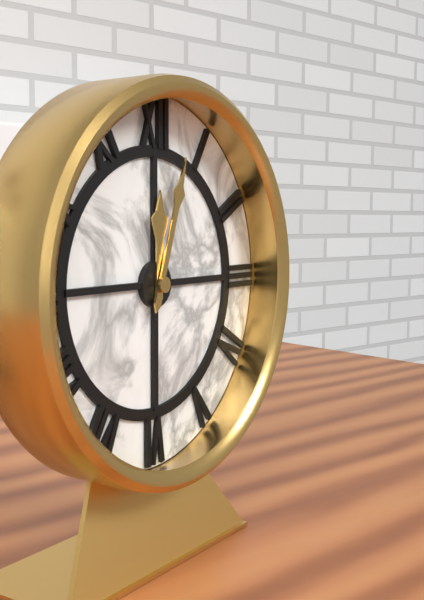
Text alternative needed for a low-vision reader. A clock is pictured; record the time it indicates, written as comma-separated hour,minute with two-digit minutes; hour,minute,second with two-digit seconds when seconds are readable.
12,03
